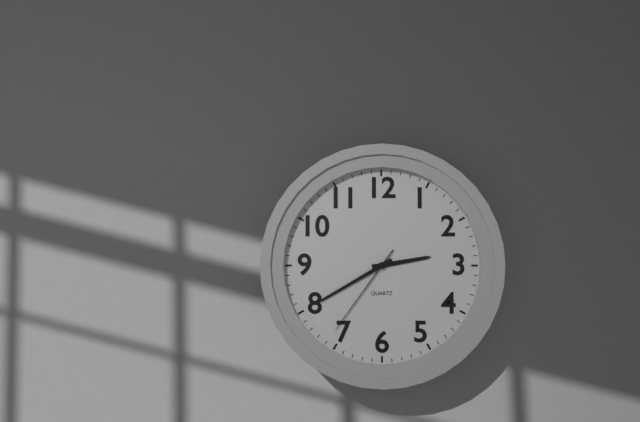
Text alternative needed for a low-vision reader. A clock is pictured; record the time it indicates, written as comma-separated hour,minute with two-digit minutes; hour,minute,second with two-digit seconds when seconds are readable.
2,40,36
